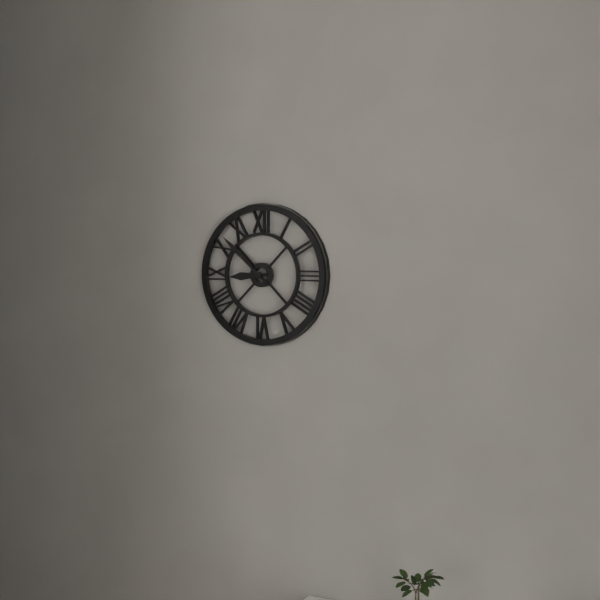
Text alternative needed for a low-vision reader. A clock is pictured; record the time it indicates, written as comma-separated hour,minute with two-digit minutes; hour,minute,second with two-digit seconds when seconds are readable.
8,52
